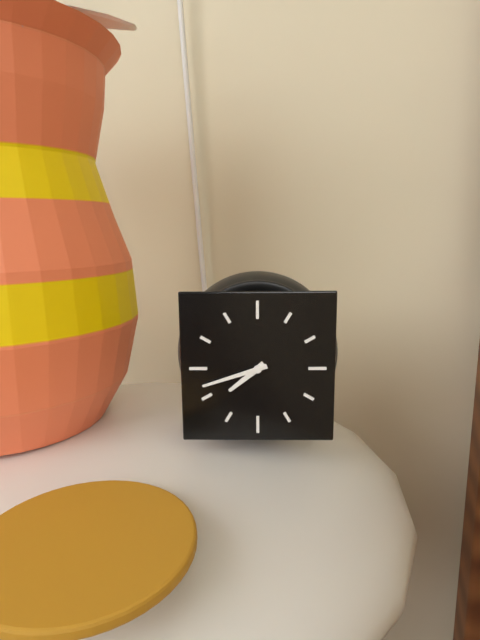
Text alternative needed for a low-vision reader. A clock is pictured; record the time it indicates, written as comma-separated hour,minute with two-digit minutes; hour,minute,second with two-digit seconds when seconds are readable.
7,42
